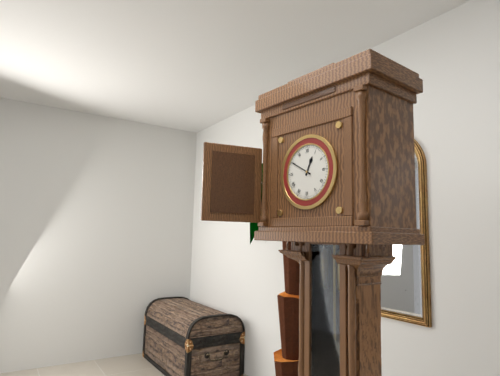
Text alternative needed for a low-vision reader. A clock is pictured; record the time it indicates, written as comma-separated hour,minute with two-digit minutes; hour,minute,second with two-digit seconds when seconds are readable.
12,50
